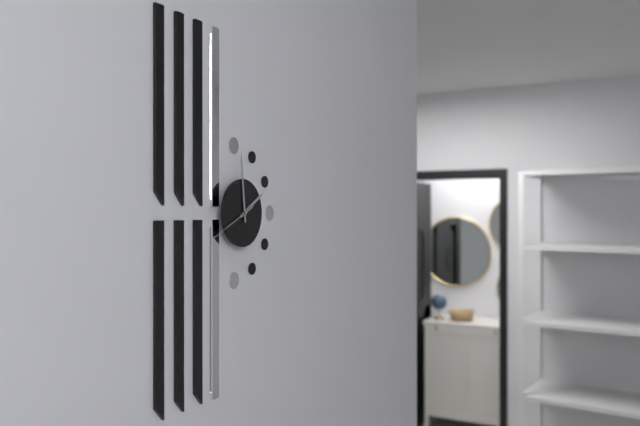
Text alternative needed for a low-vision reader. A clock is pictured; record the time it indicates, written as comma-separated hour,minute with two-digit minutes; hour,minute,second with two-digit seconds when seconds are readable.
1,59,41
